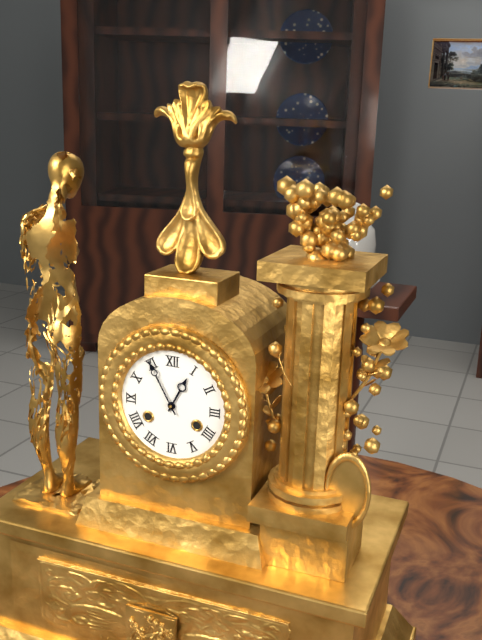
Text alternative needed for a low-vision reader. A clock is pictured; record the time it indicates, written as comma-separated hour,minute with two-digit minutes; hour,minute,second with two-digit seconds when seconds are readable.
12,55
